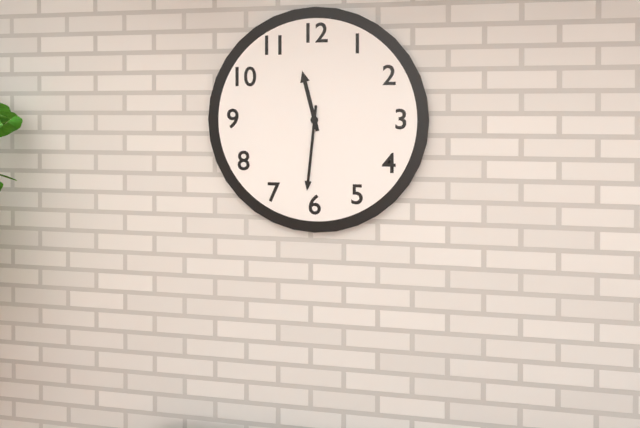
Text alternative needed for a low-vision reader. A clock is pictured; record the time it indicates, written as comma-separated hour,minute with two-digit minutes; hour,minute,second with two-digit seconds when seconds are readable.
11,31
